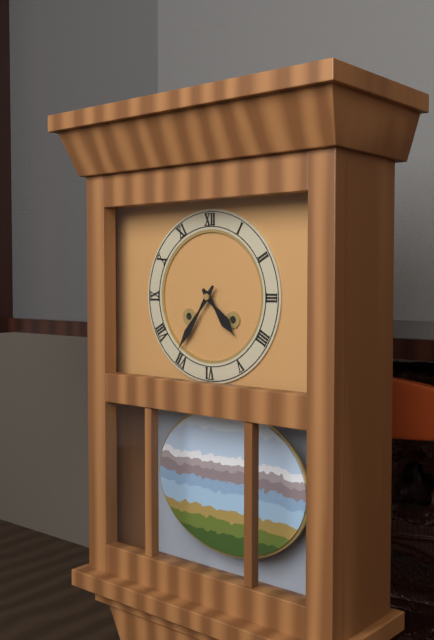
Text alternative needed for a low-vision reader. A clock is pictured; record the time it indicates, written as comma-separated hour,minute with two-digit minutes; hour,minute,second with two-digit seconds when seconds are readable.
4,36
